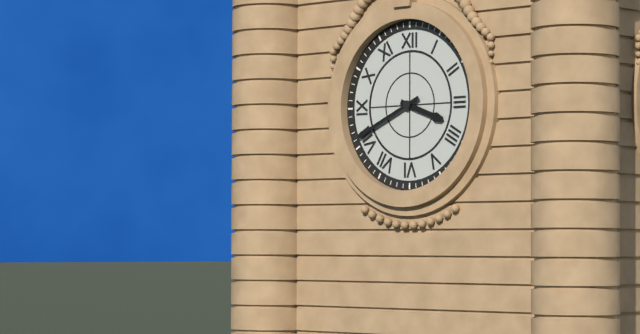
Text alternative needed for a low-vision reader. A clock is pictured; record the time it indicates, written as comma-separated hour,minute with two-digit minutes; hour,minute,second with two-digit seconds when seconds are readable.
3,41
